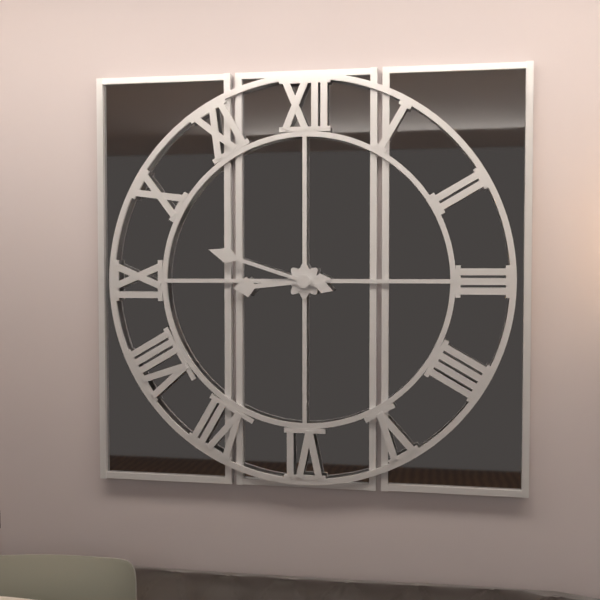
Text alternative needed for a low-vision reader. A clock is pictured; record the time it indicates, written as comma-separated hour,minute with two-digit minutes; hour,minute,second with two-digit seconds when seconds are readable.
8,48
